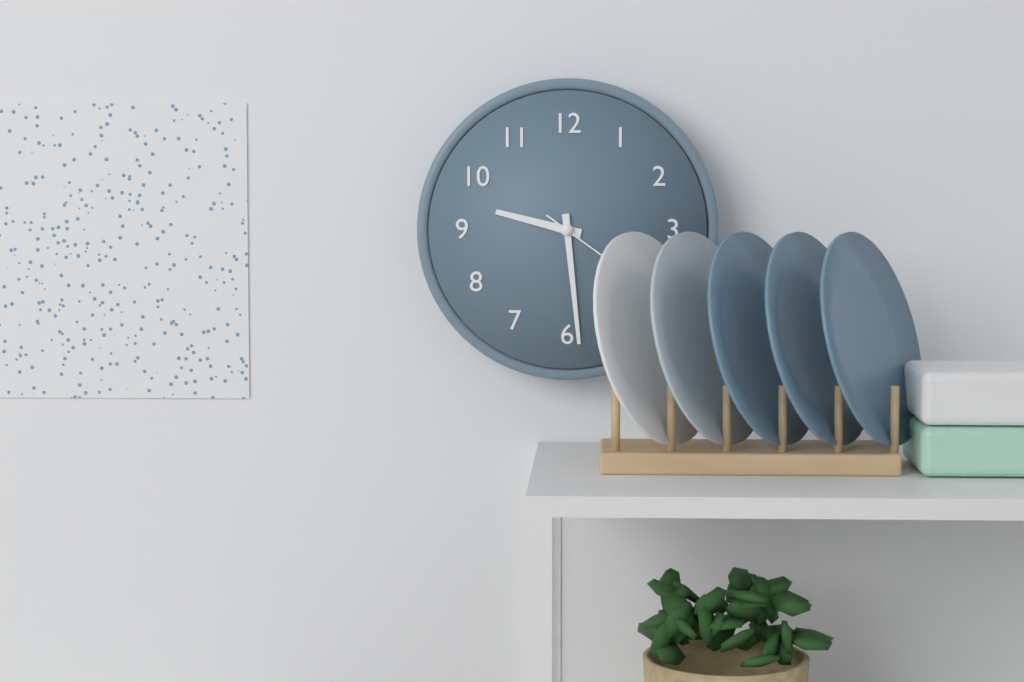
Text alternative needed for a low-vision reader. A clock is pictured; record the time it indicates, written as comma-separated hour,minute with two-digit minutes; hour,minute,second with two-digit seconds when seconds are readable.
9,29
